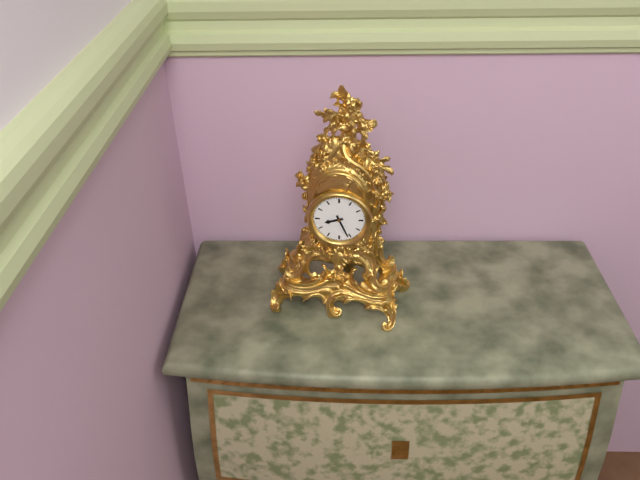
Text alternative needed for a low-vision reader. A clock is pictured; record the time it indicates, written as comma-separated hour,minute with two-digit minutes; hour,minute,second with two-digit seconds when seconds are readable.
8,26
